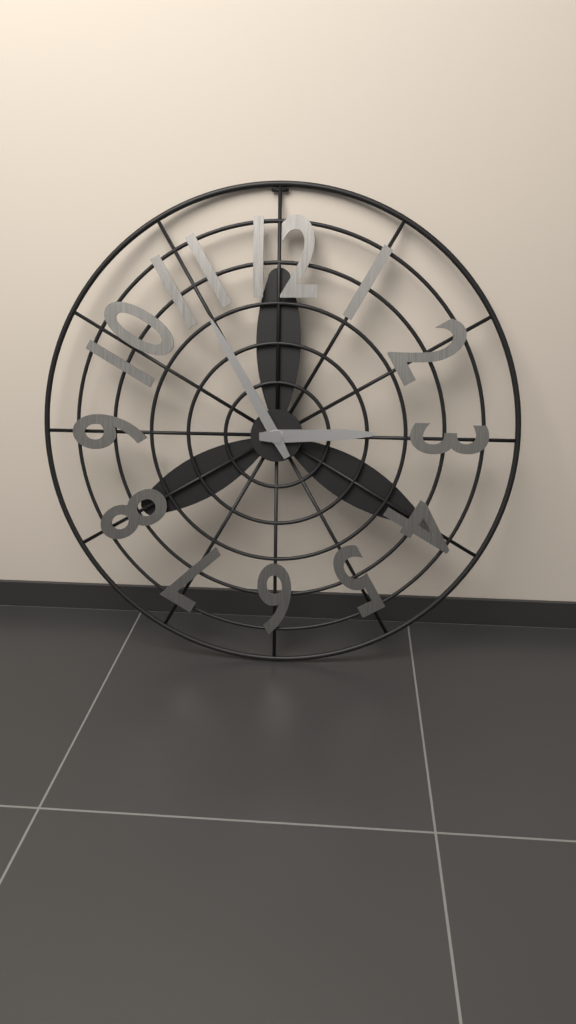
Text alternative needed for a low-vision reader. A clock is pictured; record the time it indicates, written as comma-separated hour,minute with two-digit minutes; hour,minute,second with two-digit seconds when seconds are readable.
2,55
